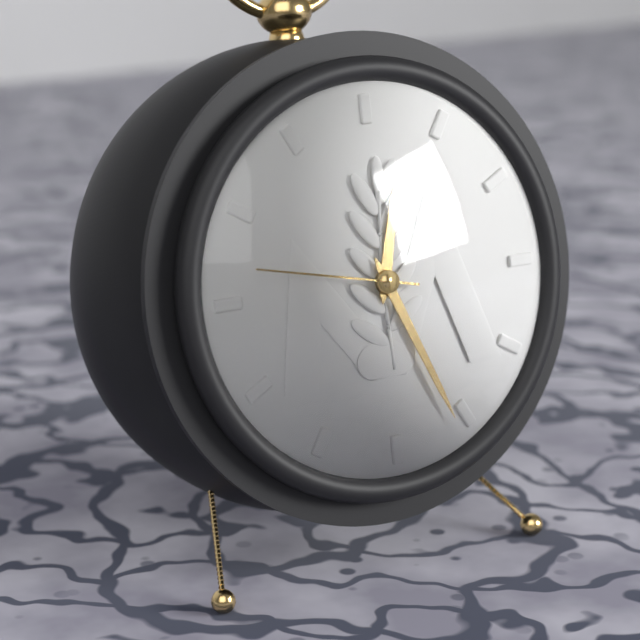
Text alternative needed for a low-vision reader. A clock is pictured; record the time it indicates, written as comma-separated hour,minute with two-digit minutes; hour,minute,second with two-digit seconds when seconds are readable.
12,26,47
